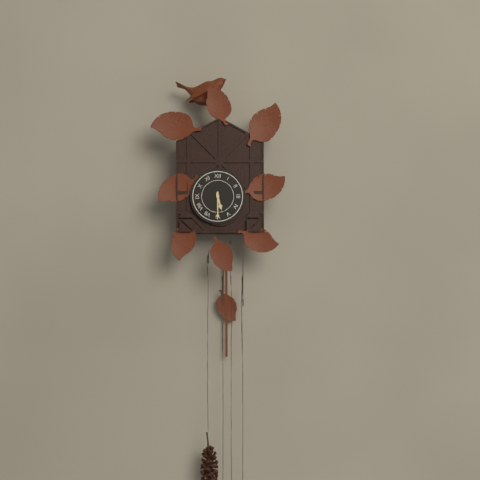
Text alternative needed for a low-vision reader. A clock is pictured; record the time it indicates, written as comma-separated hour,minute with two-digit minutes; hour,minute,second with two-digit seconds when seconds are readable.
5,30
